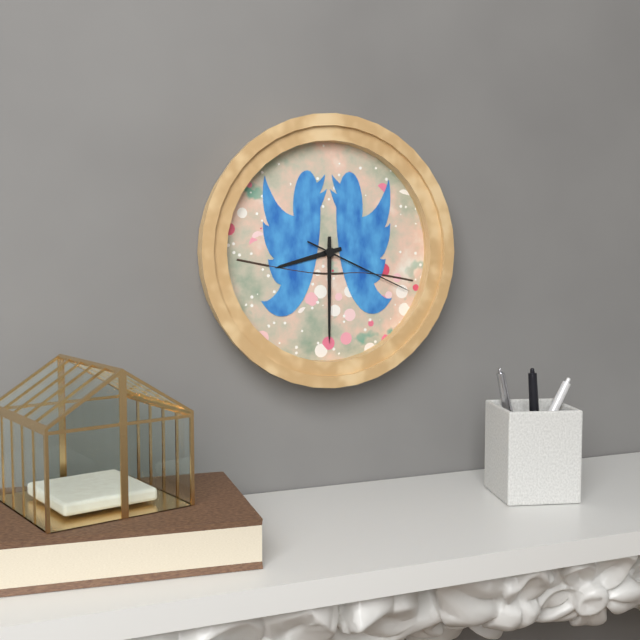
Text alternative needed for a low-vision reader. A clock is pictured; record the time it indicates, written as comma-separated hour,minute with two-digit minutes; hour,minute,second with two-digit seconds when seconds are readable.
8,30,19
